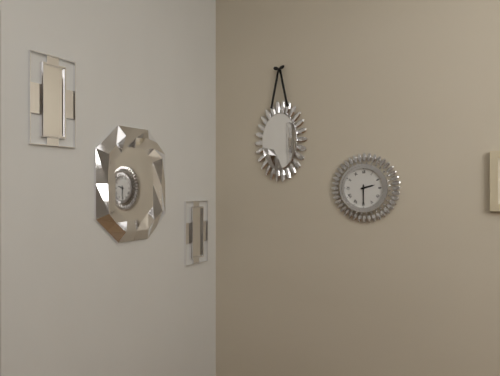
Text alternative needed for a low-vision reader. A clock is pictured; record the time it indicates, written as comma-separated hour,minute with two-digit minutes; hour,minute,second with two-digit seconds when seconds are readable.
2,30
